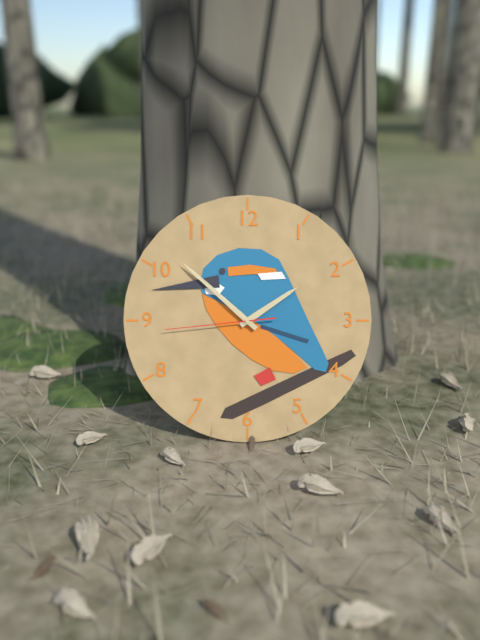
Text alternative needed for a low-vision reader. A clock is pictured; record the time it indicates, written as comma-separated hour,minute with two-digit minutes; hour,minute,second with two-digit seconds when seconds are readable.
1,52,44
